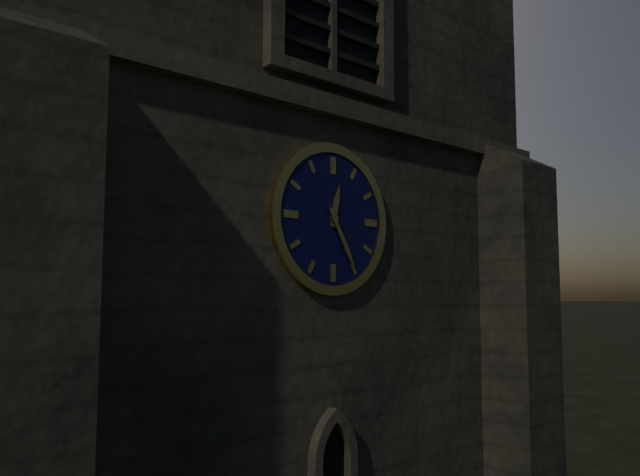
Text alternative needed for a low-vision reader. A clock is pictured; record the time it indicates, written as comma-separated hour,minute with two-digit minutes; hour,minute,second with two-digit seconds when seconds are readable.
12,25
